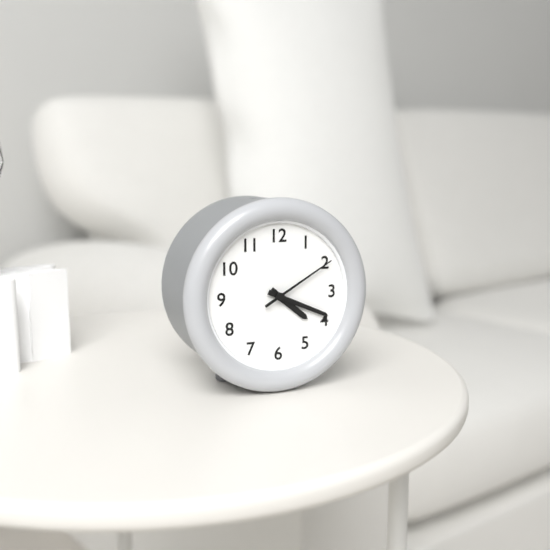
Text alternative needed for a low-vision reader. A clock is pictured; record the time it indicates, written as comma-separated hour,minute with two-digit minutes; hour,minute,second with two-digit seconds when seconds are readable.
4,19,10
